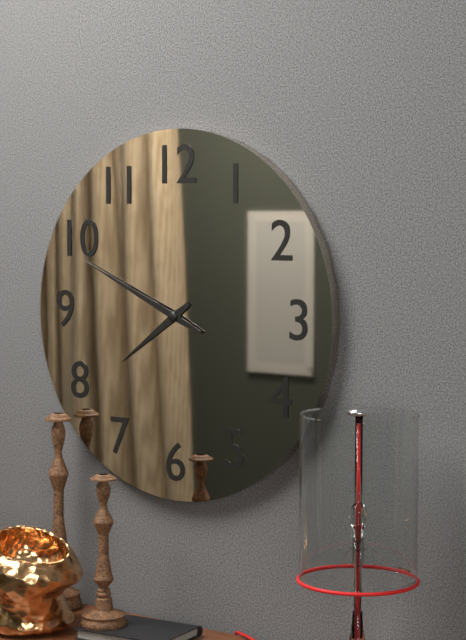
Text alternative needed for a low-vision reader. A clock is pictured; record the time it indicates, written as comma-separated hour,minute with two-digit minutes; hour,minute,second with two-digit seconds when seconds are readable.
7,49
